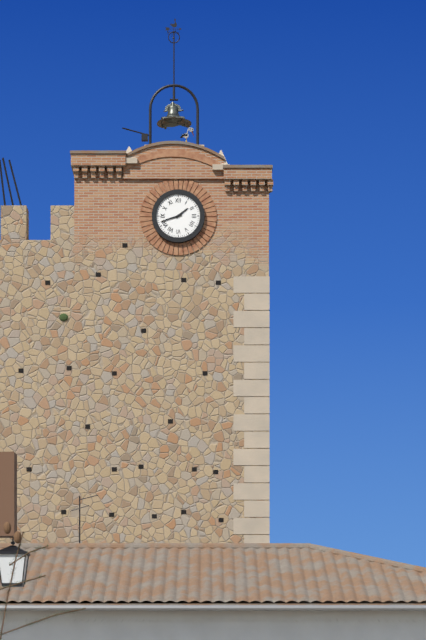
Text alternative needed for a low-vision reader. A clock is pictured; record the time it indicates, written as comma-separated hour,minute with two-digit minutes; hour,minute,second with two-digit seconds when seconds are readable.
1,42
